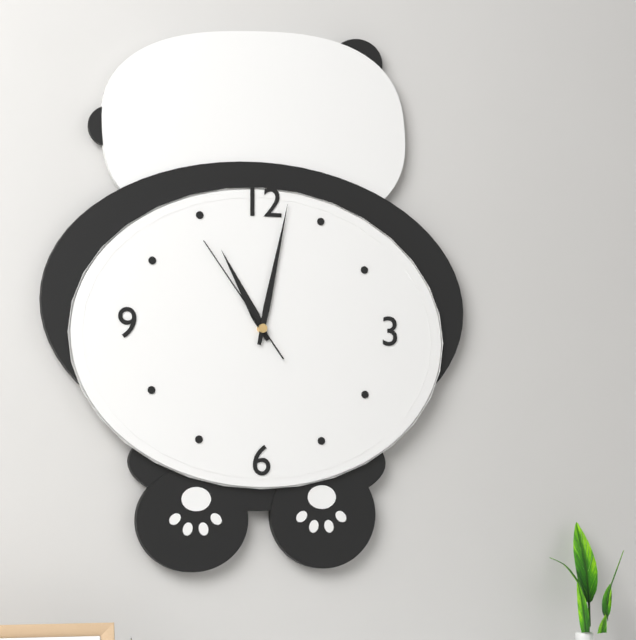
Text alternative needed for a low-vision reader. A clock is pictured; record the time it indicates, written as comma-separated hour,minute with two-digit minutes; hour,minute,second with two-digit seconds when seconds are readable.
11,02,54
